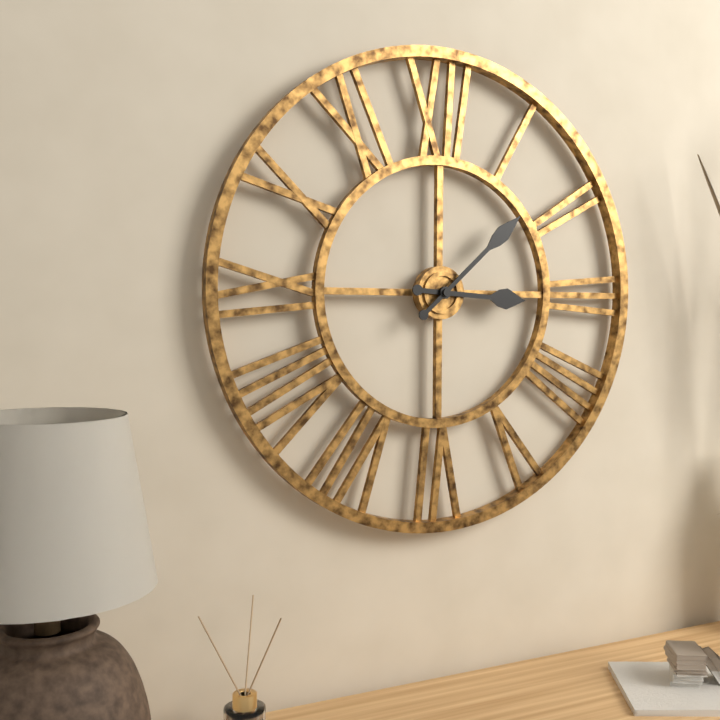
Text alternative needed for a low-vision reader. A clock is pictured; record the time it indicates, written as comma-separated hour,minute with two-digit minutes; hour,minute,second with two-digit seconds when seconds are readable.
3,08
